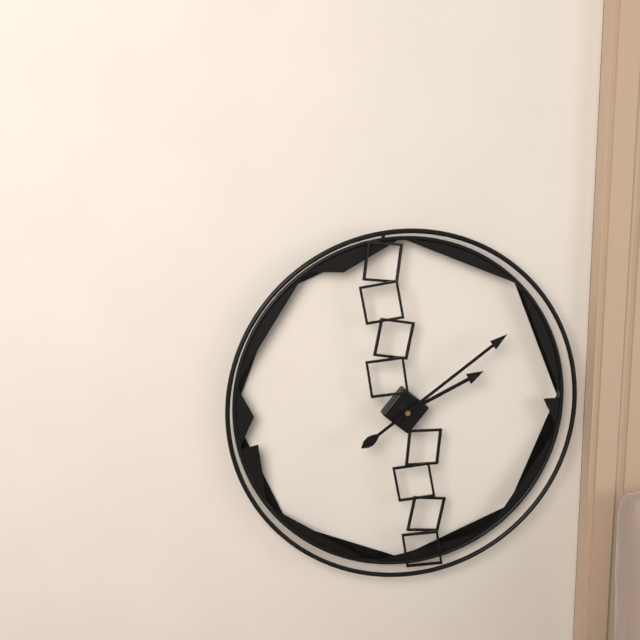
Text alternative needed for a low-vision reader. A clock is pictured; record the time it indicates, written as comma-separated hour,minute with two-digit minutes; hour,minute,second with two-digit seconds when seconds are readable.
2,09
